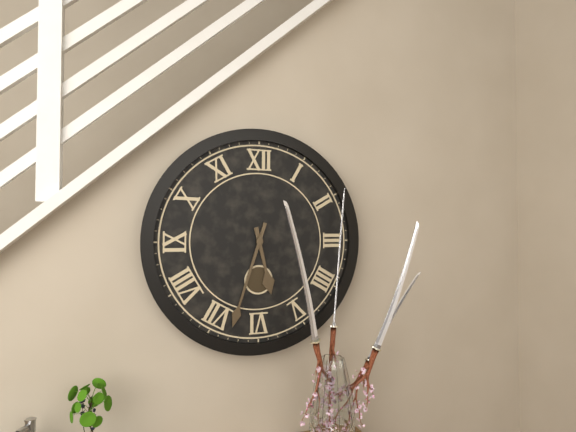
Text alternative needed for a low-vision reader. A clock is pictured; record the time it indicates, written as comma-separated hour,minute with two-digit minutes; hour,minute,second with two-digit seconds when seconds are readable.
5,33
